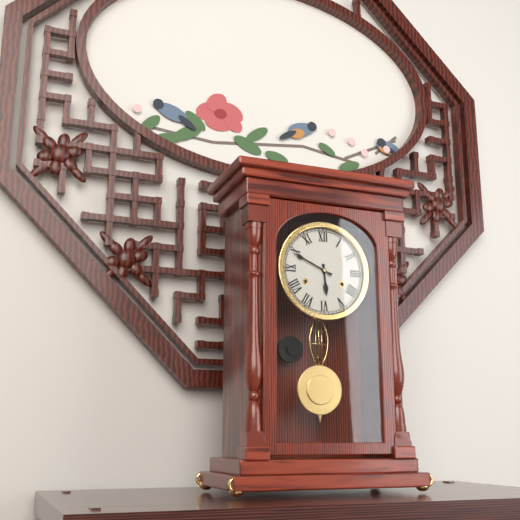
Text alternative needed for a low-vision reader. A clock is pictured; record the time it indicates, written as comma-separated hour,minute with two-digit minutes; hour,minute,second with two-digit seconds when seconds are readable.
5,49
